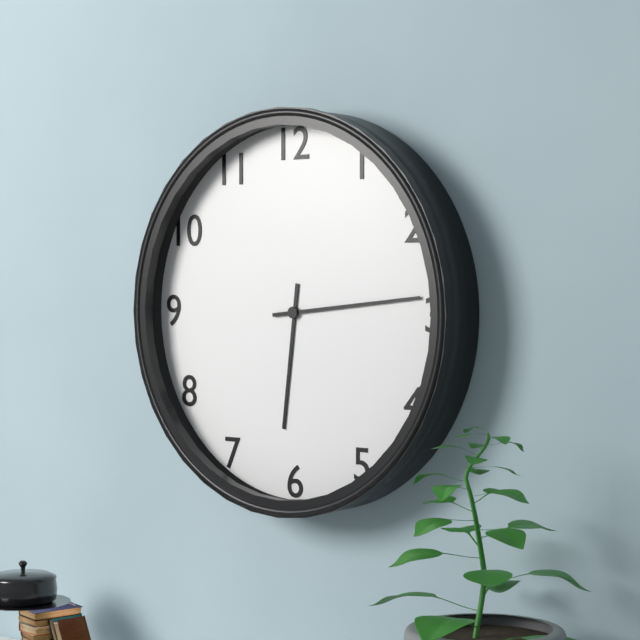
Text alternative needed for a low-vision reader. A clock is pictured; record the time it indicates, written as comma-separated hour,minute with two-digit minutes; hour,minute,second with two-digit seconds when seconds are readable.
6,14
